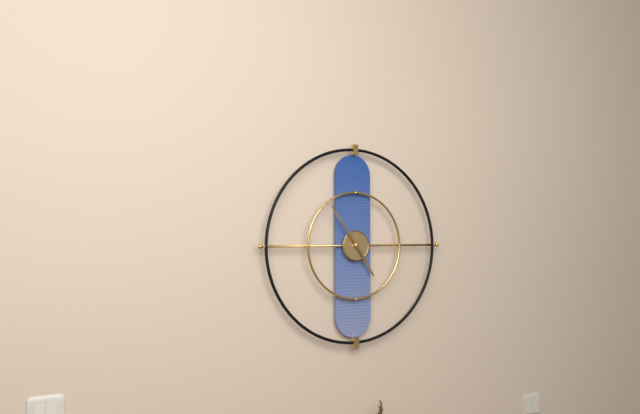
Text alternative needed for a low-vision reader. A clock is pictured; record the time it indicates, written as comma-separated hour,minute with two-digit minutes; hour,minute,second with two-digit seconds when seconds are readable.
4,54
